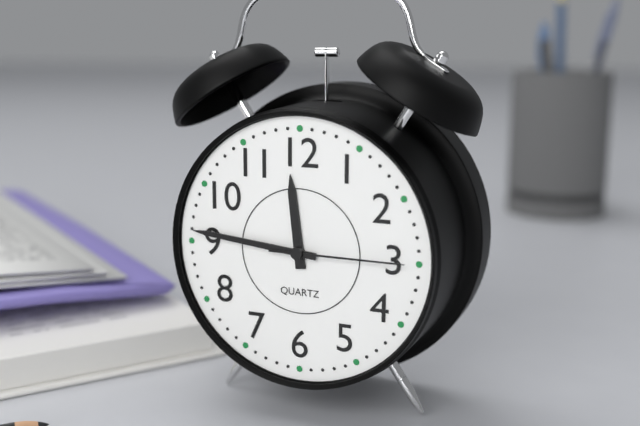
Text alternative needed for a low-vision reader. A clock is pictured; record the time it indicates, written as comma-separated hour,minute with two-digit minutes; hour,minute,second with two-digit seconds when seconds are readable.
11,46,15
